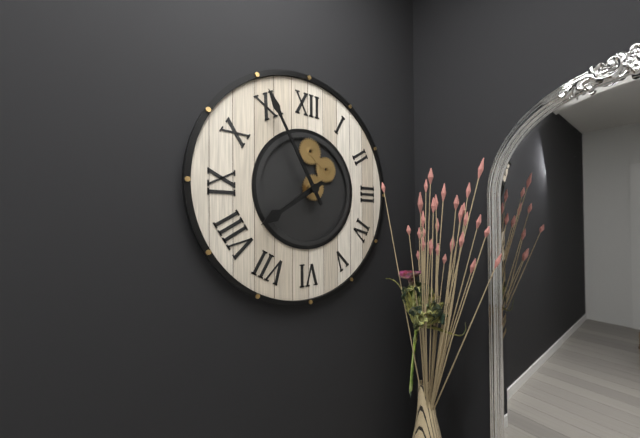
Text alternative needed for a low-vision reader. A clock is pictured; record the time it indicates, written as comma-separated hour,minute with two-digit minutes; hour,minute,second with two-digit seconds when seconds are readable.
7,55
